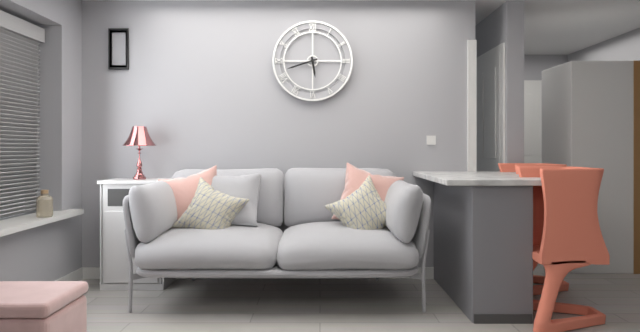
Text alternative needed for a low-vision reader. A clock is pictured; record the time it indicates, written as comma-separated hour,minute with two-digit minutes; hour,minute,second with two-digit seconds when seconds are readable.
5,42
